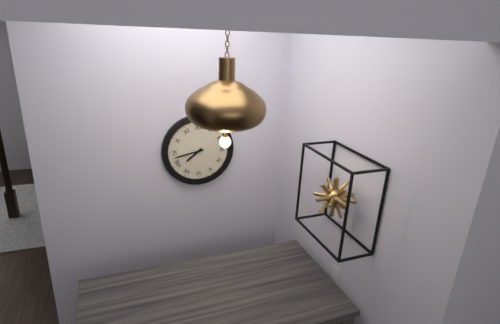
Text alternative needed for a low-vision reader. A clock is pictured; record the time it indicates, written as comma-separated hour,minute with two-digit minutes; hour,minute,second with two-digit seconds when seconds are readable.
7,43
